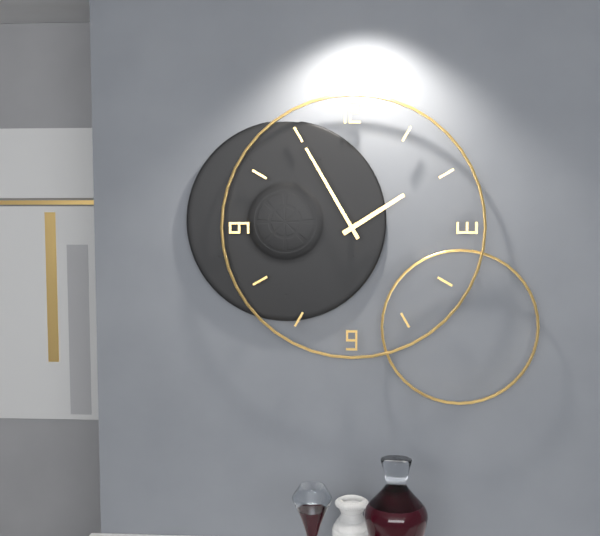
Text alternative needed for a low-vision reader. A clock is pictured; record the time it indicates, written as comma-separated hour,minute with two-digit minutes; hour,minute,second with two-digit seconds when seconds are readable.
1,55
